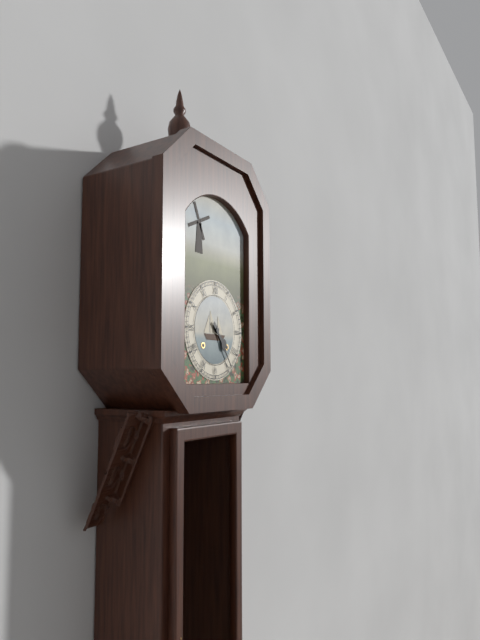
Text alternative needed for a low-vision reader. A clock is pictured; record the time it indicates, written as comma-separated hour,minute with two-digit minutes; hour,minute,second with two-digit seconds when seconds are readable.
4,24
